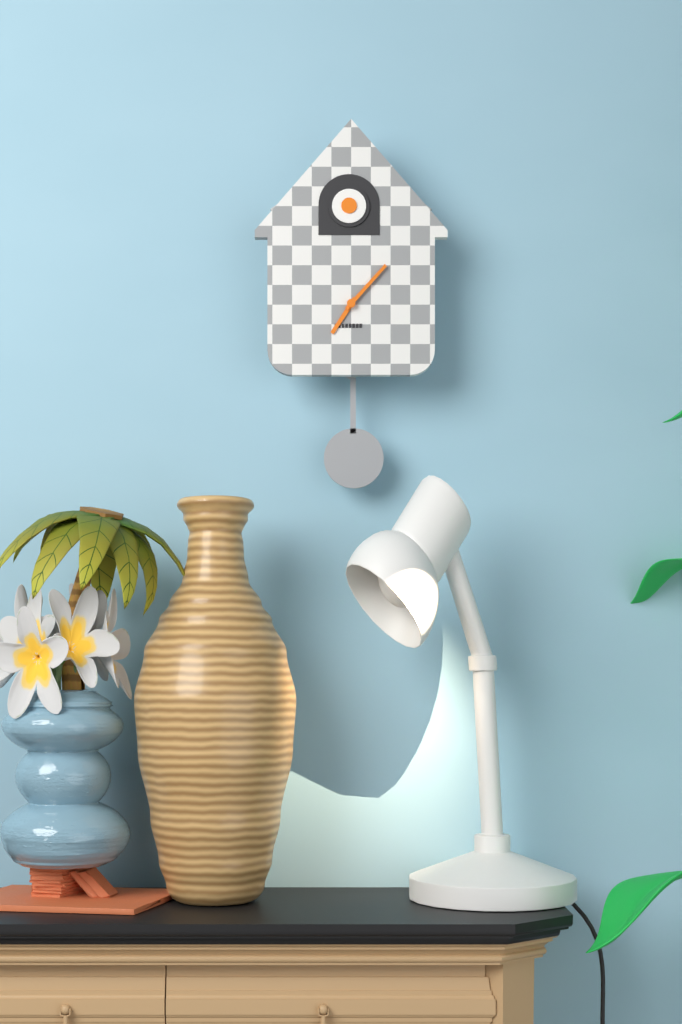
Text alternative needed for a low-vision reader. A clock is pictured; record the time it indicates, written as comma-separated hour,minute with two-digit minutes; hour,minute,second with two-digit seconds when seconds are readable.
7,07
